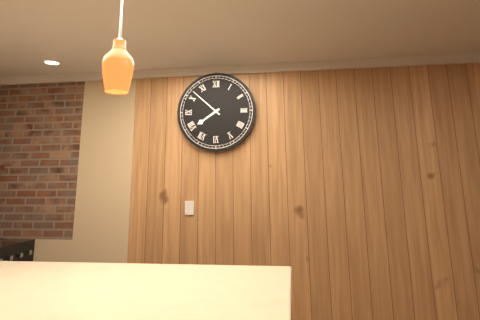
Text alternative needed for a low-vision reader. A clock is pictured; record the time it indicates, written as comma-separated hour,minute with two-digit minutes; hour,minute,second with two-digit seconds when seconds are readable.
7,52
